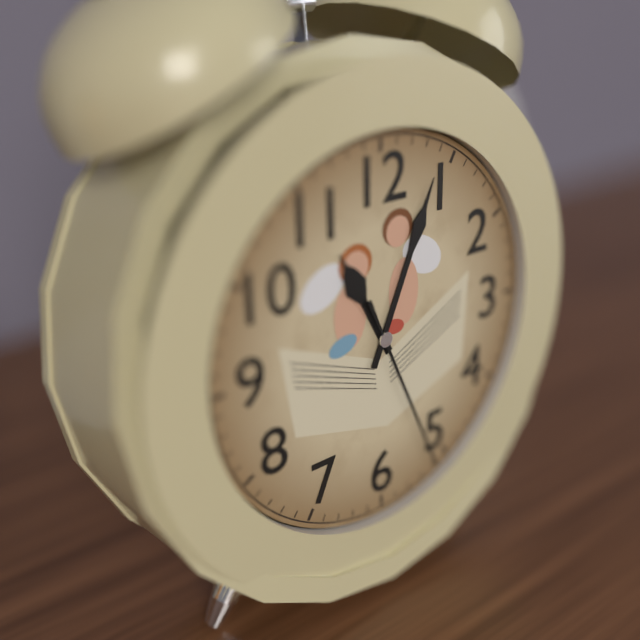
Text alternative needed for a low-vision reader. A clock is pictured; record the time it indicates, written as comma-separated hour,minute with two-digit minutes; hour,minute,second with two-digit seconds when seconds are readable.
11,04,26
